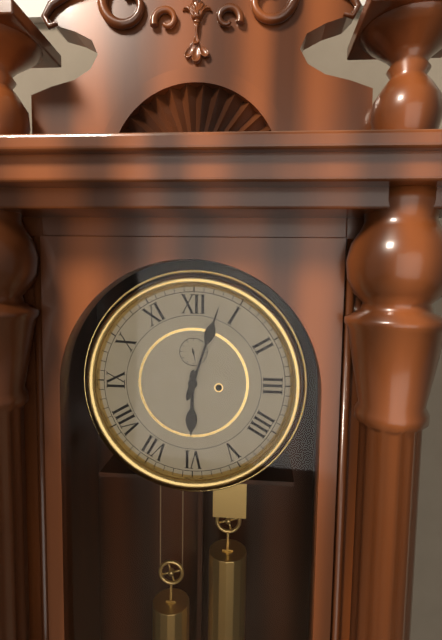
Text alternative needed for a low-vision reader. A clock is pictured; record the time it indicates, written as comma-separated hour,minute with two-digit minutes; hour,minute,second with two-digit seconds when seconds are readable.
6,03
